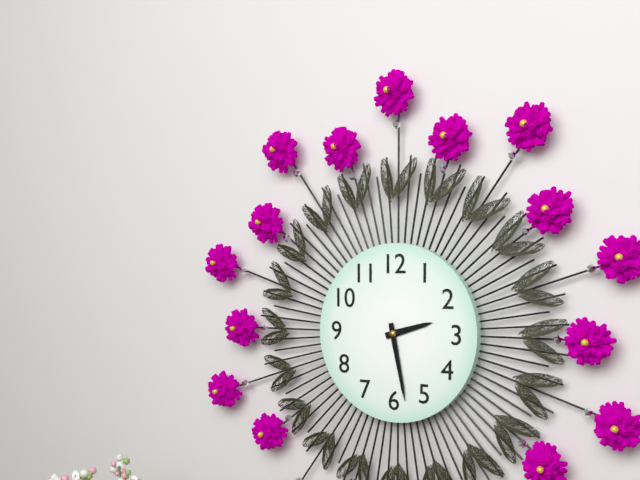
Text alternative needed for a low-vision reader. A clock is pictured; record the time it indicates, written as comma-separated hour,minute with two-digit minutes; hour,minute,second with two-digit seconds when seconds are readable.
2,28
